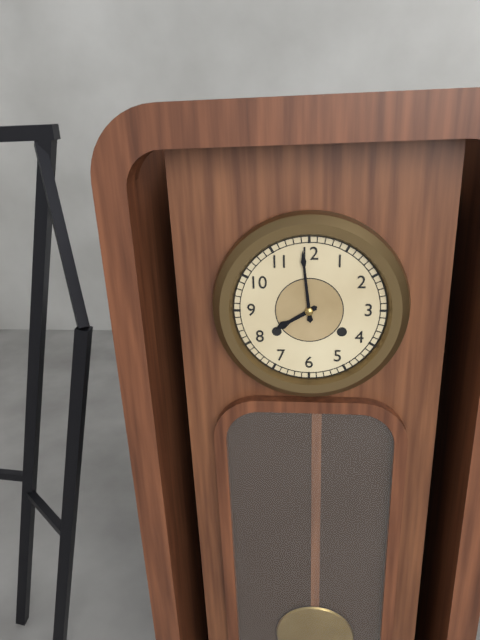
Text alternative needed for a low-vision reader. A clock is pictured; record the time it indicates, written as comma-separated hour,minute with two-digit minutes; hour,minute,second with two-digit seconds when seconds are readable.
7,59
